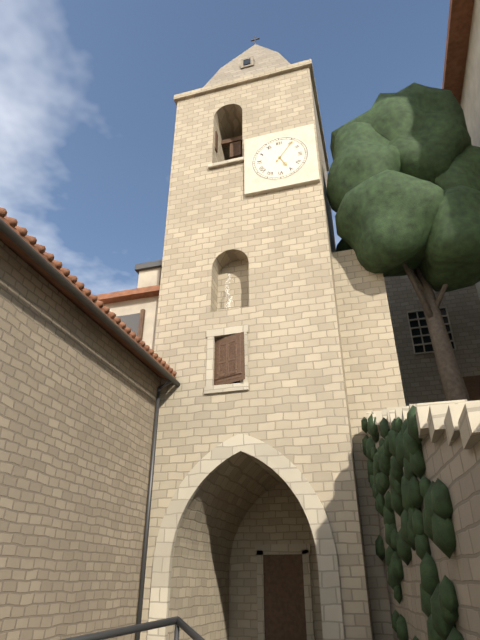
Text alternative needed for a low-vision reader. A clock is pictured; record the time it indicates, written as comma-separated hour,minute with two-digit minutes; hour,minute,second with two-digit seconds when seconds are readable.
5,06
